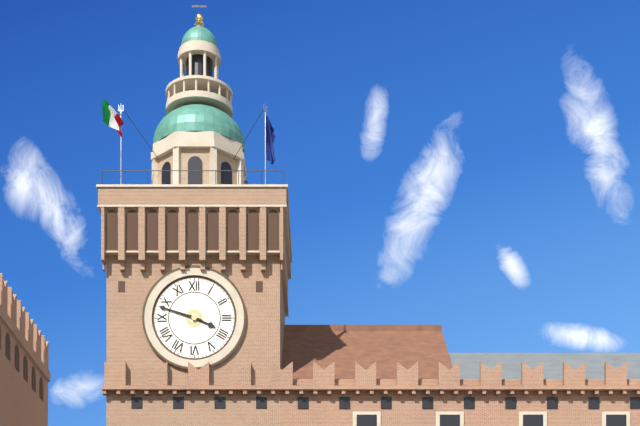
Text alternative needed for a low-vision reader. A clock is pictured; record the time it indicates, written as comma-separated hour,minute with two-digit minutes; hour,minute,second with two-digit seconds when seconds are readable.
3,48
